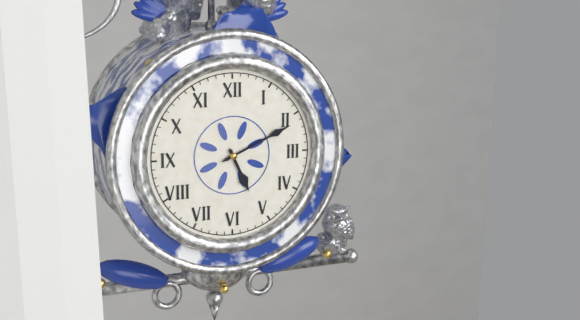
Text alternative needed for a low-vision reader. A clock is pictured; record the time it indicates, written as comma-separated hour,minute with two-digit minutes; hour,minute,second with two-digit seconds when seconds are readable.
5,11
